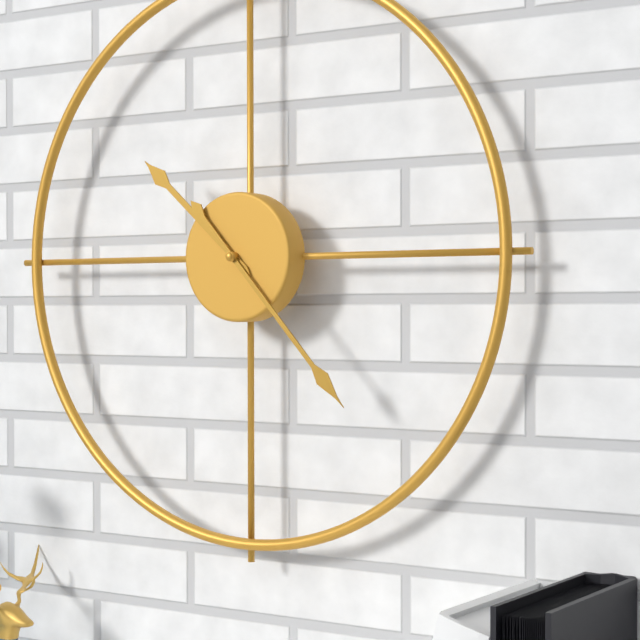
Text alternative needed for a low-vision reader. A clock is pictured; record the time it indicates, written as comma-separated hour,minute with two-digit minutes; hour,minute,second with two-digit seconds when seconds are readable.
10,23
